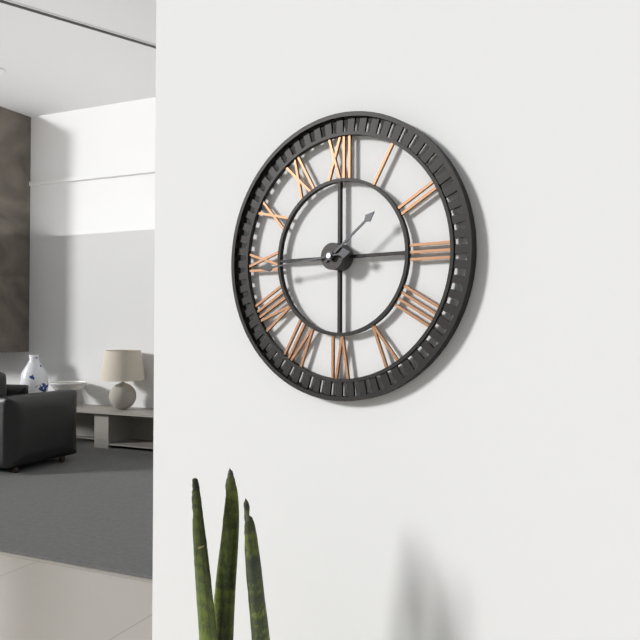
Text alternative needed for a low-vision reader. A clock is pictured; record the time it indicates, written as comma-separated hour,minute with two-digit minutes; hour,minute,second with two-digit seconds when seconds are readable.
1,44
